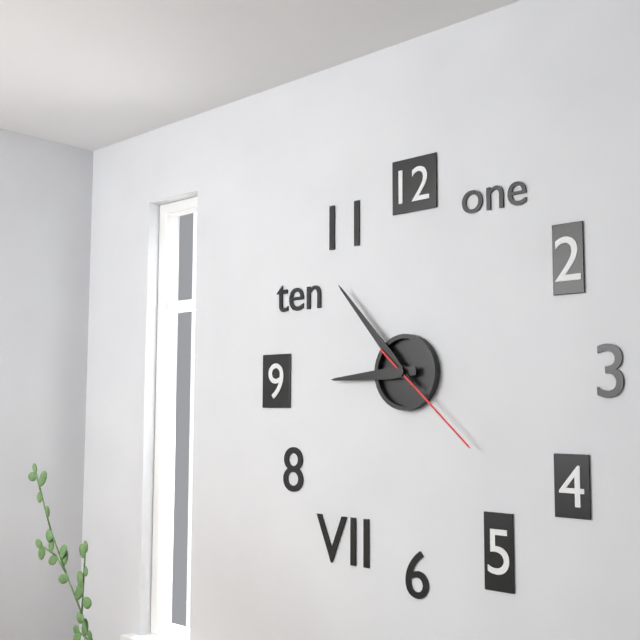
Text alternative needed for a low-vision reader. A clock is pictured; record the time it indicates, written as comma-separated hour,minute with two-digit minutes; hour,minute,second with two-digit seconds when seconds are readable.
8,53,22
